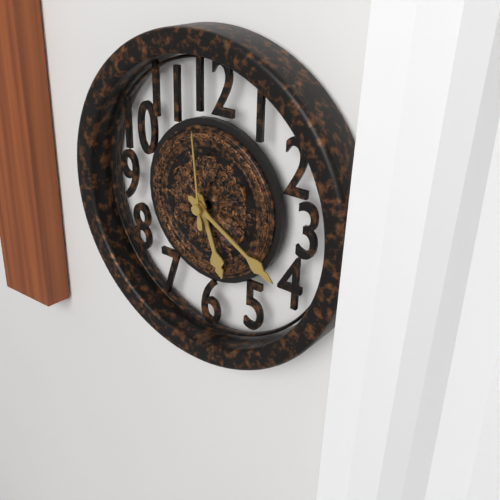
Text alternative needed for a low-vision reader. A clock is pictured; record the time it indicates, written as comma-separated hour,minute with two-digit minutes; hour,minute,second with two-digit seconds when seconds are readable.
5,20,59
